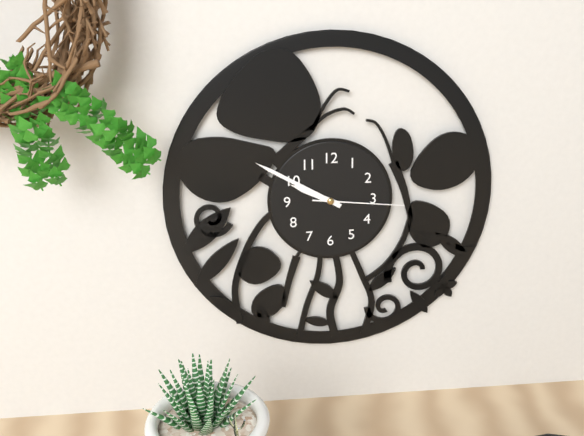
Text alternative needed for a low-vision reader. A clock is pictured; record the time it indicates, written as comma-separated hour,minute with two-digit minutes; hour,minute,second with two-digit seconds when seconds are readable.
9,50,16
